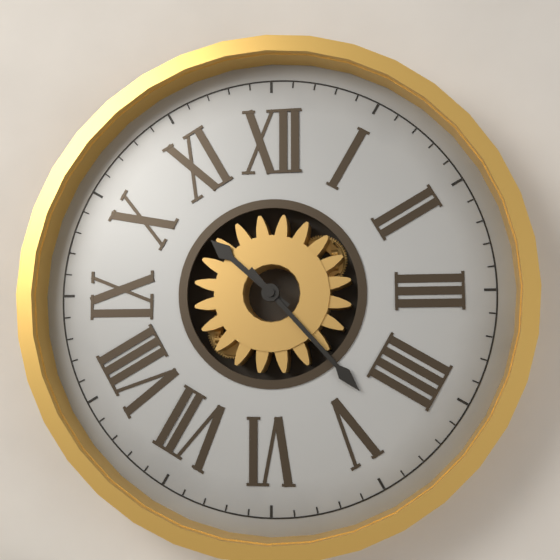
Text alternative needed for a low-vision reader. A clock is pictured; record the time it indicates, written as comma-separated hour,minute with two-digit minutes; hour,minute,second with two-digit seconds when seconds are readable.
10,23
